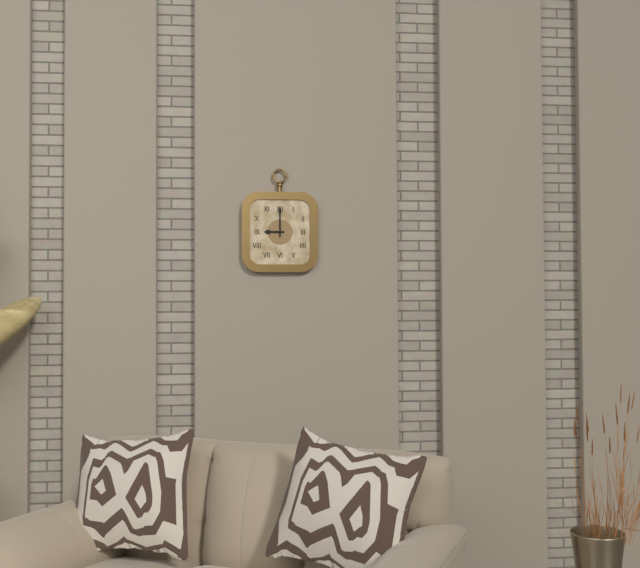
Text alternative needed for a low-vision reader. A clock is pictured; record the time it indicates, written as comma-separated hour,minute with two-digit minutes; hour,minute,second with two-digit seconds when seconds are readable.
9,00
